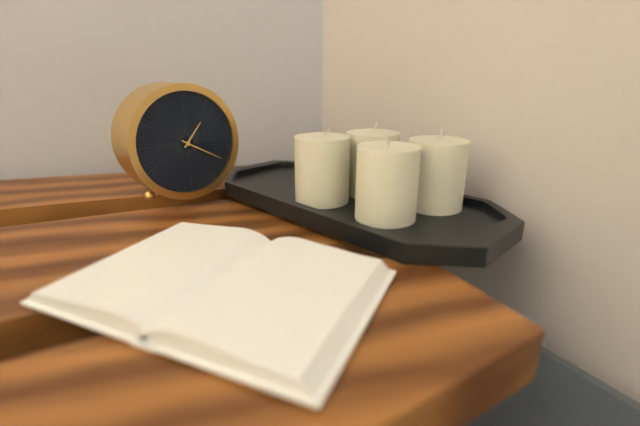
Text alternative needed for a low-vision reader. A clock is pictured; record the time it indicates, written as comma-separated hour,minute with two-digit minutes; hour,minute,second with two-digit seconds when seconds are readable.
1,20
